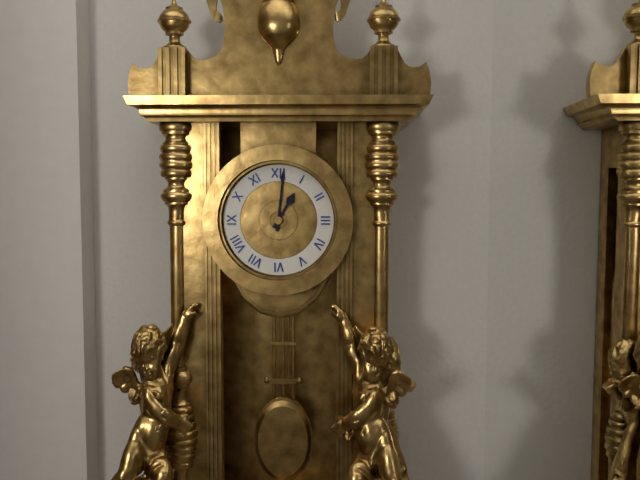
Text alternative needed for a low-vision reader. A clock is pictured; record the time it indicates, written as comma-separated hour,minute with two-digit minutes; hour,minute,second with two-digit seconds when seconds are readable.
1,01
